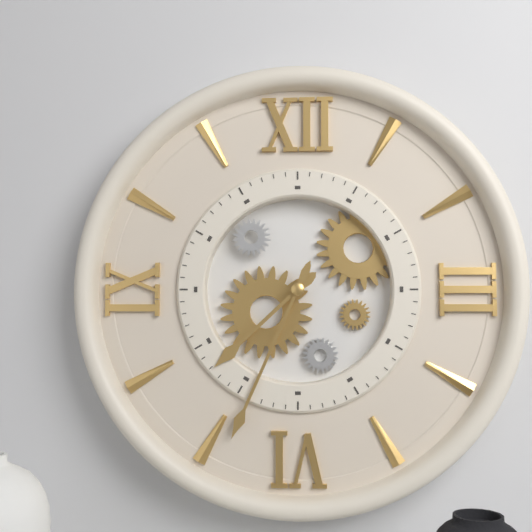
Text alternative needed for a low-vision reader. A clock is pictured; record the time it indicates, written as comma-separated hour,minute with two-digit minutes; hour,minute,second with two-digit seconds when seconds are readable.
7,34
